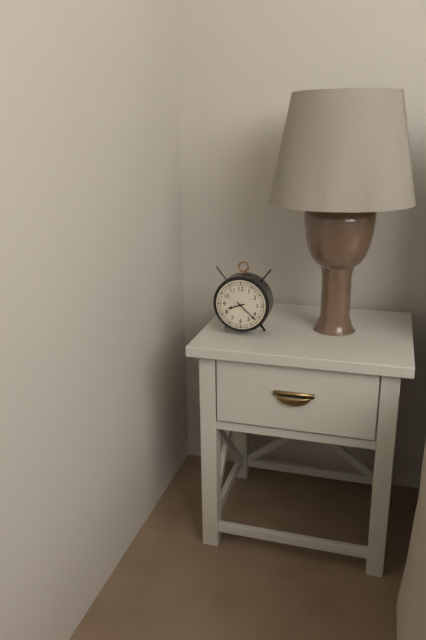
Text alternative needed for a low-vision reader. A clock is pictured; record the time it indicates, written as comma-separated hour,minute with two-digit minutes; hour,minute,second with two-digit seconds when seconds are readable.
8,22
